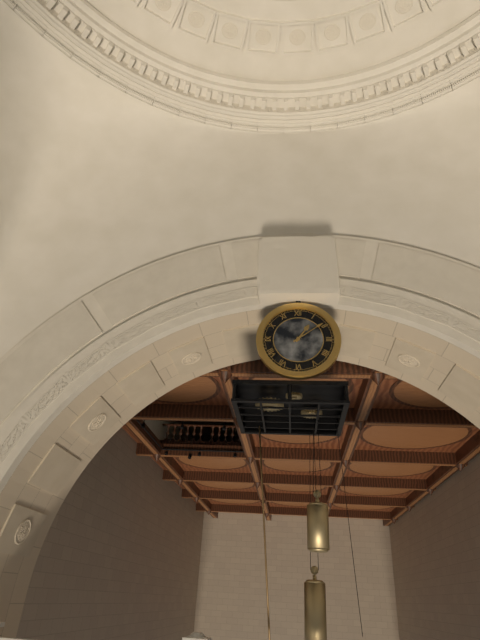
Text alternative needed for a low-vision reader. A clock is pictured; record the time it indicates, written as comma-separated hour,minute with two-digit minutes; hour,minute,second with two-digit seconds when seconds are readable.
1,09
